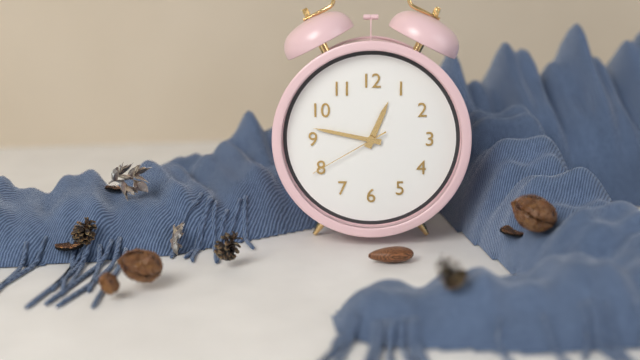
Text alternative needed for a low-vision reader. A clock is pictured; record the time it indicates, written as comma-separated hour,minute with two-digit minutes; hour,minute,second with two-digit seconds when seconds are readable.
12,47,40
